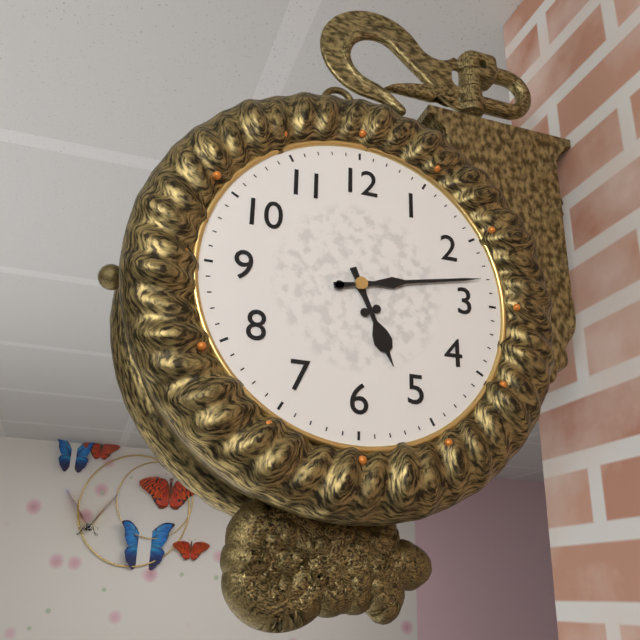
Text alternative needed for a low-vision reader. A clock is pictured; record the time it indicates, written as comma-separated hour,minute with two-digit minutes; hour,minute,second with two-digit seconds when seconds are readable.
5,13
